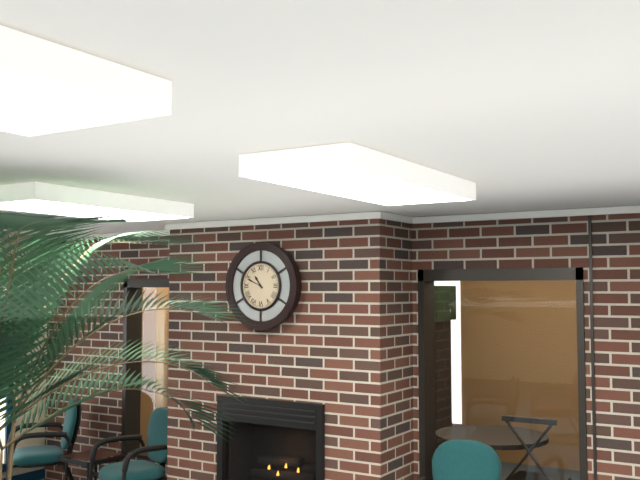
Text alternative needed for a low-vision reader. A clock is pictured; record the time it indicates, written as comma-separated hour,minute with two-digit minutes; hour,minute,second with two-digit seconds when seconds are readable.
10,49
